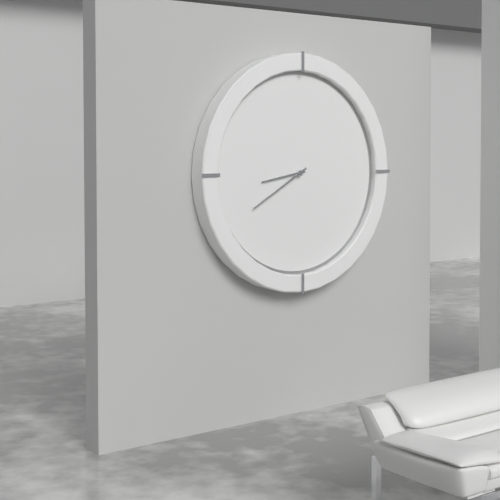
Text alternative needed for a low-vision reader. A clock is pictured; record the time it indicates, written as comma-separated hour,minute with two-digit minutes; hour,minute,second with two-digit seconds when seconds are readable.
8,40
